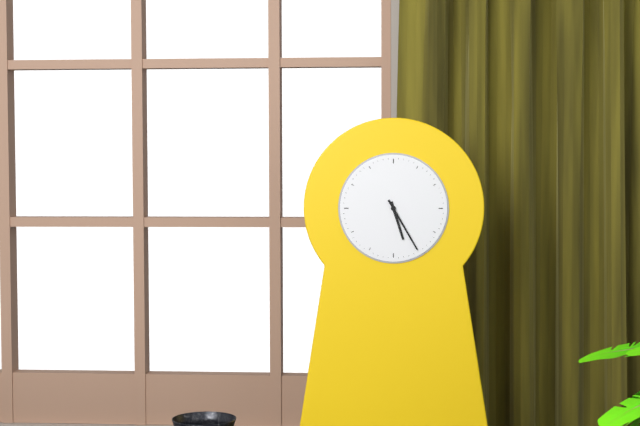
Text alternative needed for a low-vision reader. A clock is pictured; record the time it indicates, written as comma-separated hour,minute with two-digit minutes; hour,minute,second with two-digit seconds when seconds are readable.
5,25
